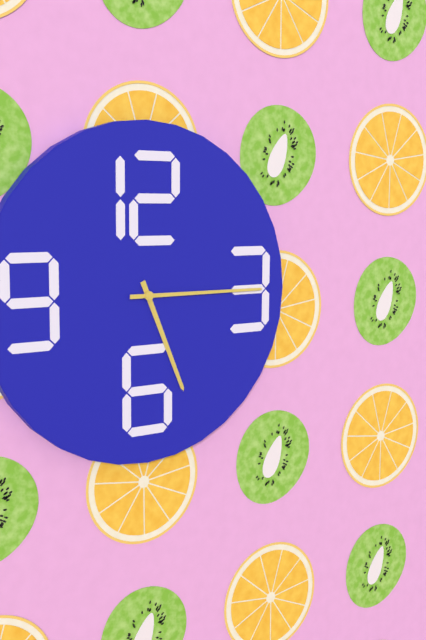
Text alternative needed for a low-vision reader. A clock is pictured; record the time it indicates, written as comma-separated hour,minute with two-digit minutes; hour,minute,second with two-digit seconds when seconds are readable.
5,15
